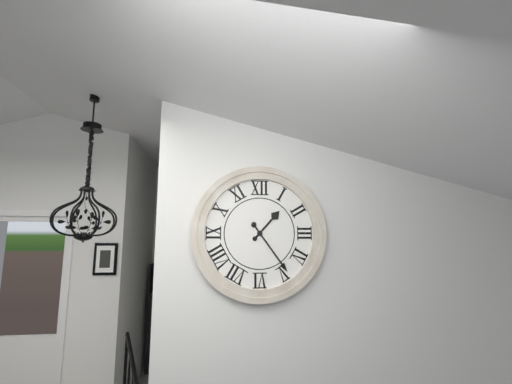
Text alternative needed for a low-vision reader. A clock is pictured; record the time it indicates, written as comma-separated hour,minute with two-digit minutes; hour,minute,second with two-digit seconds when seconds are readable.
1,24
